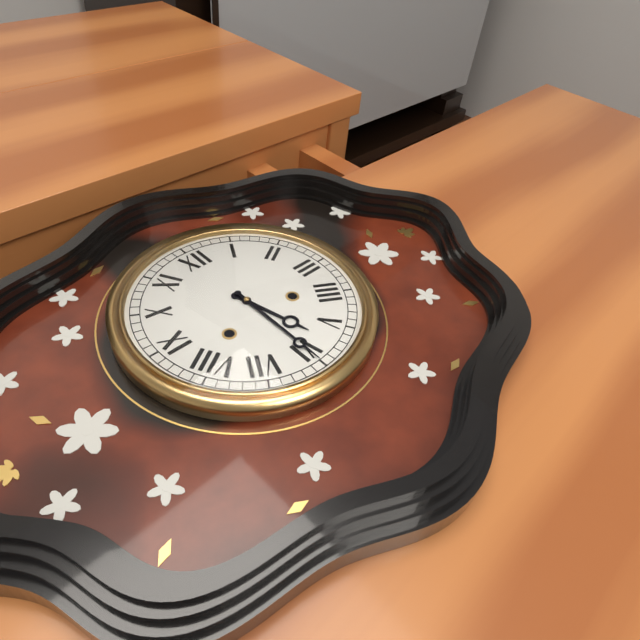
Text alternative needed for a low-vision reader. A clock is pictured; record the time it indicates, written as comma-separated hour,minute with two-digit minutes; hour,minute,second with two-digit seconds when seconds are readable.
5,30
